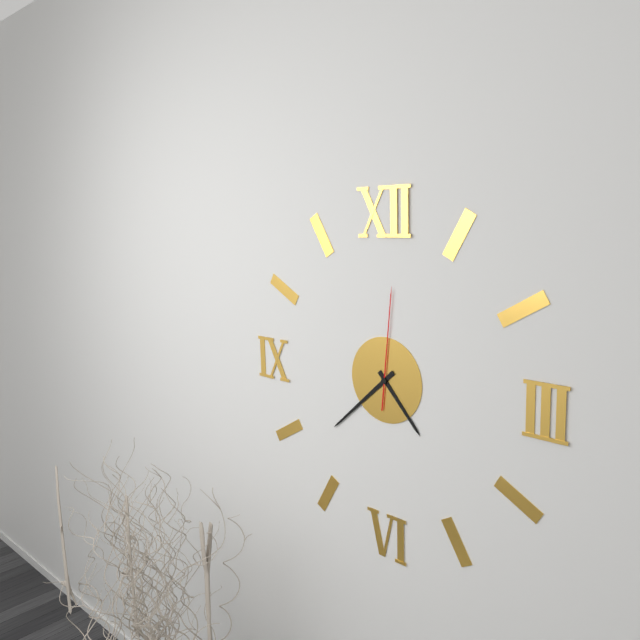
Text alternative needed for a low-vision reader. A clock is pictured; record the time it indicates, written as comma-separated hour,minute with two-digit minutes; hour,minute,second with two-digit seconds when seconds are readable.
4,38,01
